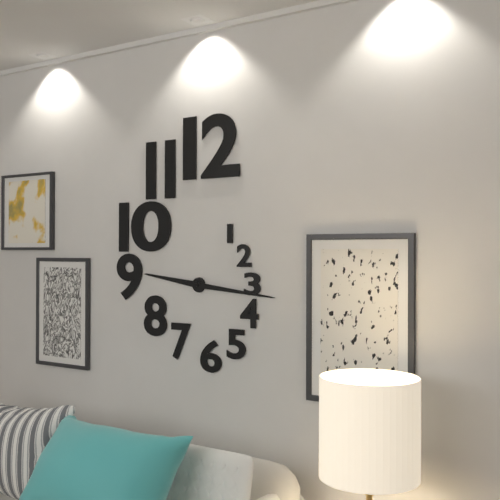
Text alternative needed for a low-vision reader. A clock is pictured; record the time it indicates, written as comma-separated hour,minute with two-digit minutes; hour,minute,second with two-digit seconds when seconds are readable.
9,16
